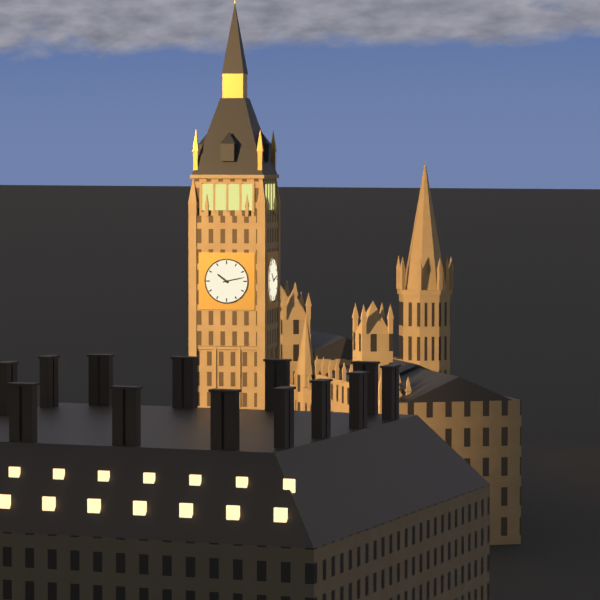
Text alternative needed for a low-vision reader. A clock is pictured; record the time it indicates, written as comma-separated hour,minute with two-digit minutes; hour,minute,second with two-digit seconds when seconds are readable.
10,13
